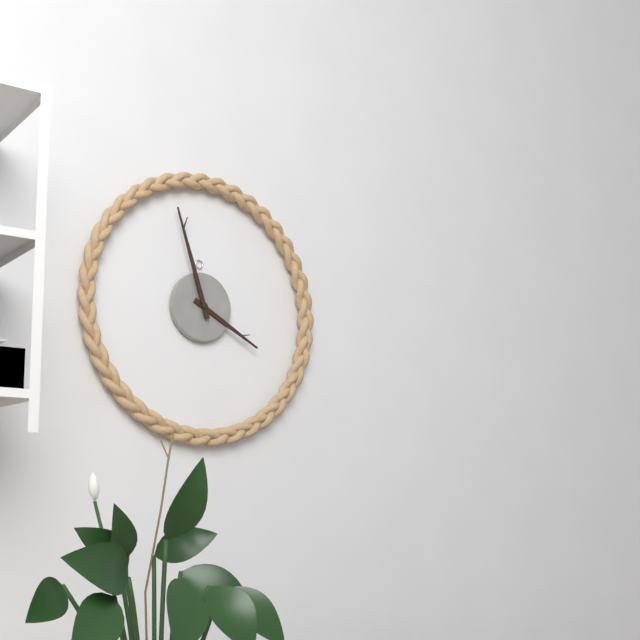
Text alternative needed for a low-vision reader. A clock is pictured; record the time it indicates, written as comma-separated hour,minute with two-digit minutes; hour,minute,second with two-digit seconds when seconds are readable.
3,57
